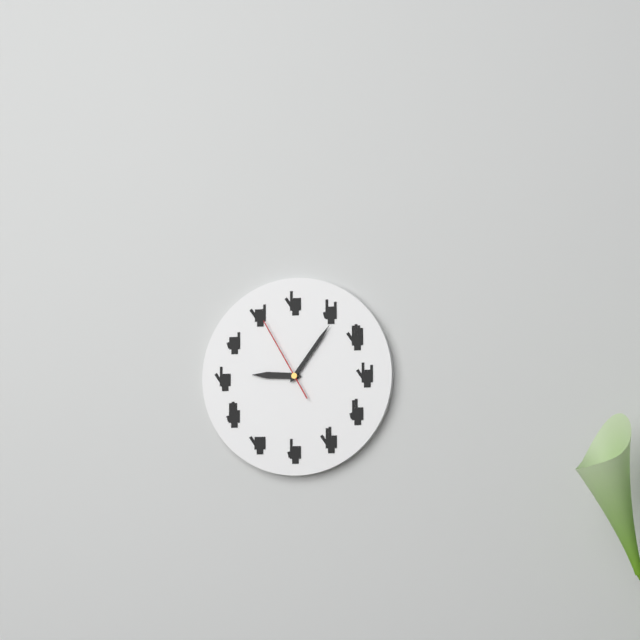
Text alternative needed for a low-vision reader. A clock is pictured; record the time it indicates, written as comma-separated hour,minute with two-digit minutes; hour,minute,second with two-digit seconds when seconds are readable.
9,06,55
